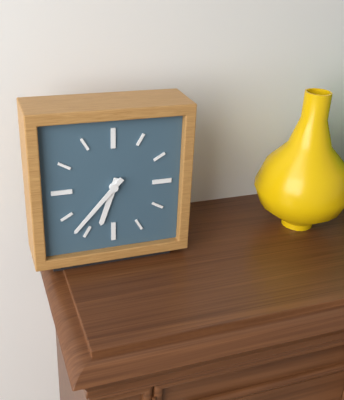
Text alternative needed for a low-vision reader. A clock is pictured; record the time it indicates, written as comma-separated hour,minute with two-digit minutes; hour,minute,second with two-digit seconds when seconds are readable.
6,37
